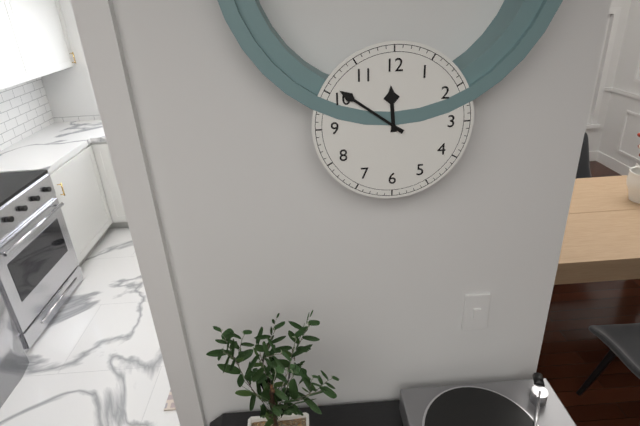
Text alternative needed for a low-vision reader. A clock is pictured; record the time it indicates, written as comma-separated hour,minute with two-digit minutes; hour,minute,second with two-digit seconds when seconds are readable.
11,51
